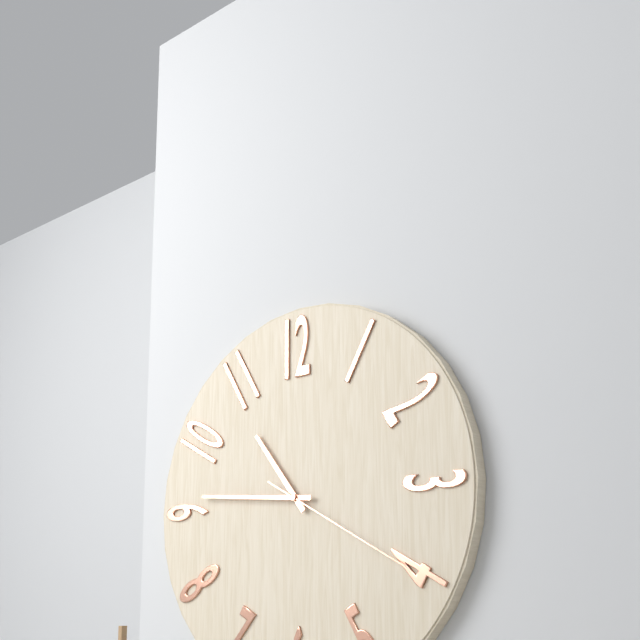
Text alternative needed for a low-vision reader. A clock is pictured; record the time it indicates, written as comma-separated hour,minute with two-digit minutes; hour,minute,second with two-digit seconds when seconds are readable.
10,46,20
